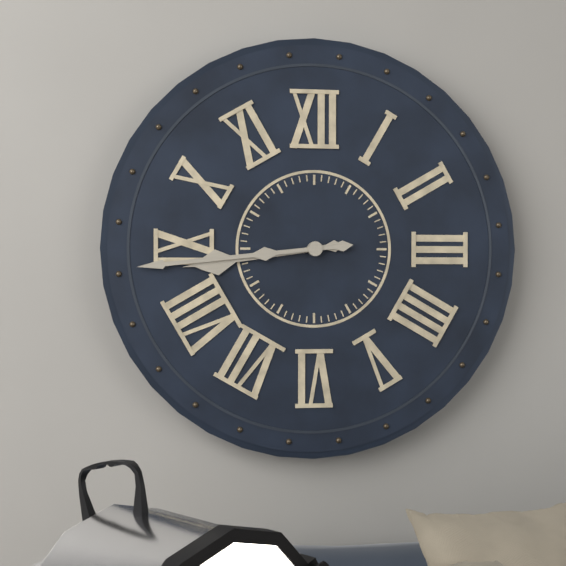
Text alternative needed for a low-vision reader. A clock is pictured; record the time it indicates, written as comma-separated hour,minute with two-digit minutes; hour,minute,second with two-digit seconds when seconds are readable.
8,44
